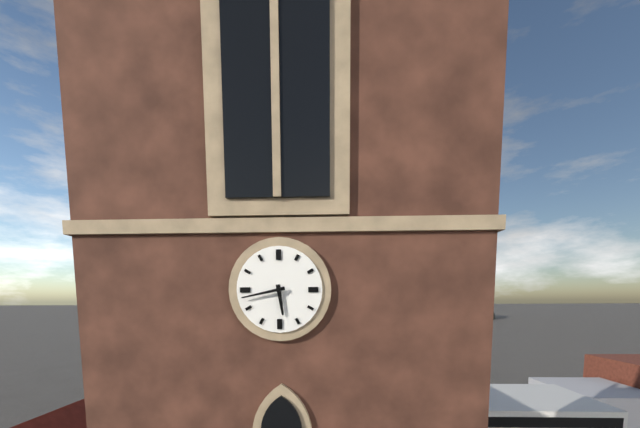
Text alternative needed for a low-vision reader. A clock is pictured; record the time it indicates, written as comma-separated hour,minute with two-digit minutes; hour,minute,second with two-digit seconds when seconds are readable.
5,43
